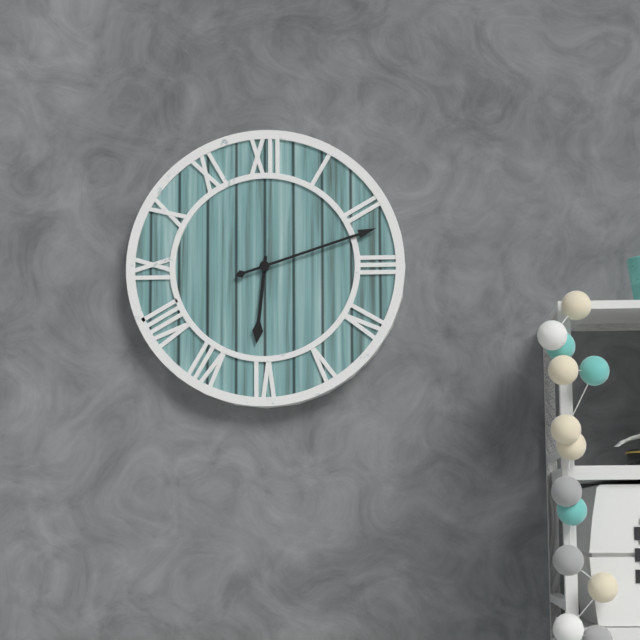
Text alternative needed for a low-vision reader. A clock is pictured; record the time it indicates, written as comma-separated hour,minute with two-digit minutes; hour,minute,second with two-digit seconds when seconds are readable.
6,12
